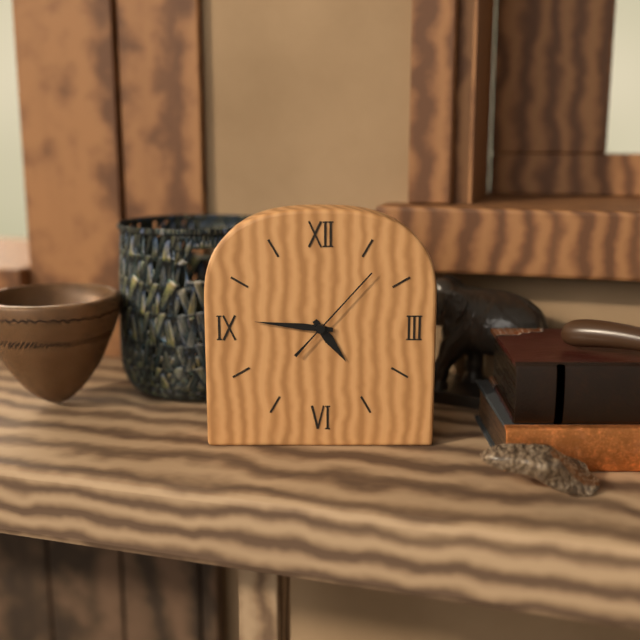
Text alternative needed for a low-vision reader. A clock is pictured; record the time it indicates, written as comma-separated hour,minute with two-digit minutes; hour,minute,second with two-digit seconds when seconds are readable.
4,46,07
